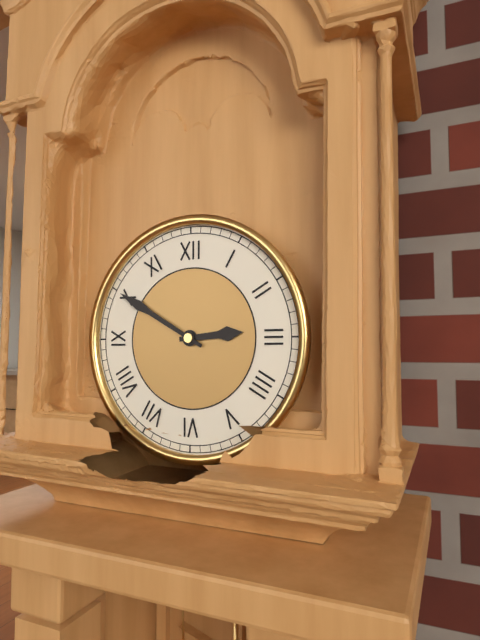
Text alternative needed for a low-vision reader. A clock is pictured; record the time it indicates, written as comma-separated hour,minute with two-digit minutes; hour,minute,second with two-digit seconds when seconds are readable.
2,50
